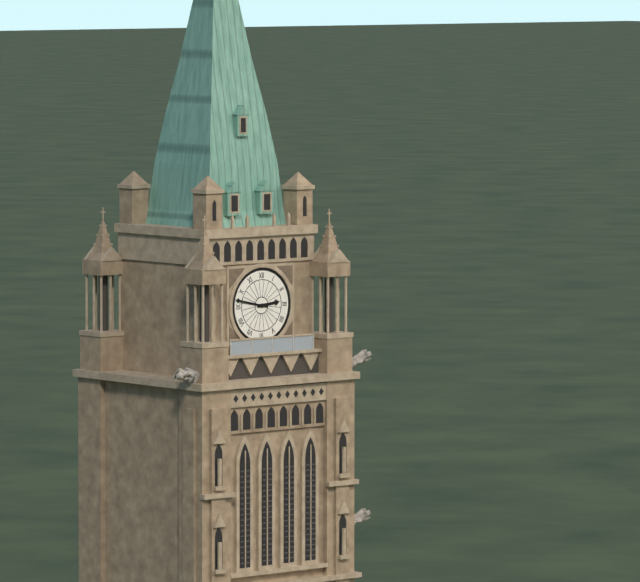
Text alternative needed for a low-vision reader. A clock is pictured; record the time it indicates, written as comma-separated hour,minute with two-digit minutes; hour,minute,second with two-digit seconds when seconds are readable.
2,47
